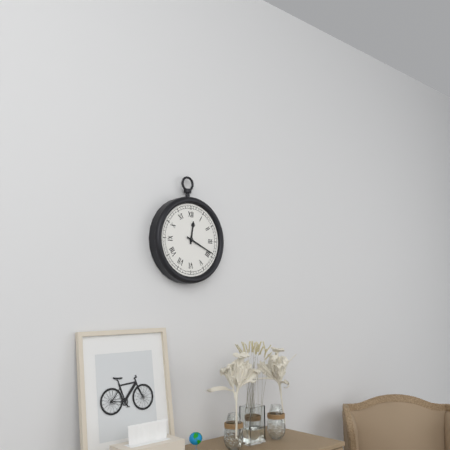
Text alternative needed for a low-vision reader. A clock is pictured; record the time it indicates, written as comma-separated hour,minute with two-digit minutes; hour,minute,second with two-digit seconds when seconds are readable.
12,19
